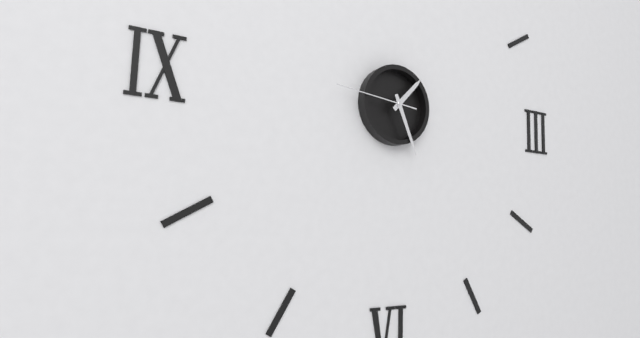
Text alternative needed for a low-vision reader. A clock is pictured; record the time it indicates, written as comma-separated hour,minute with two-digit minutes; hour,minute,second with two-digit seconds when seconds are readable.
1,26,46
